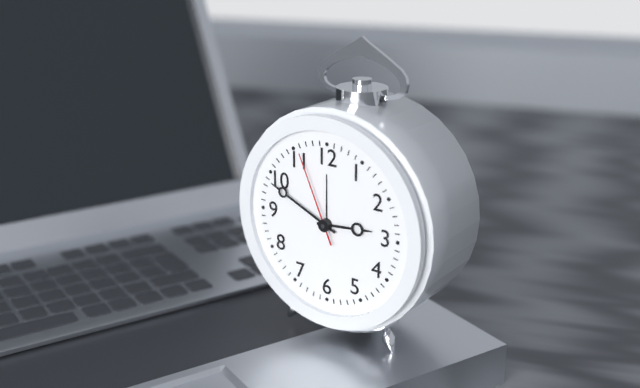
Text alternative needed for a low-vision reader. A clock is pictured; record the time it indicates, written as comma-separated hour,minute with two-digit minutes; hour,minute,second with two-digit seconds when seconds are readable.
2,49,56
